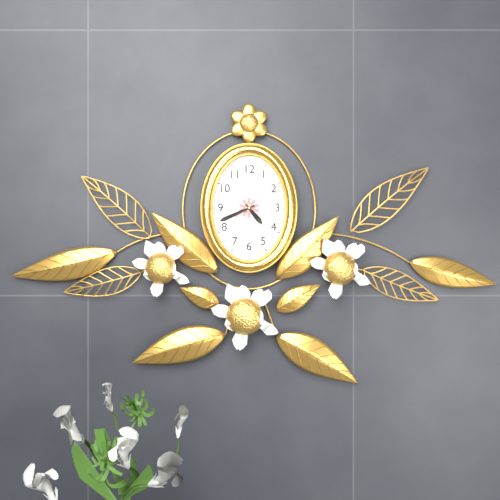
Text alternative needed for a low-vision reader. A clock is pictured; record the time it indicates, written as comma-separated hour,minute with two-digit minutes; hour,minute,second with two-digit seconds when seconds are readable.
4,41
